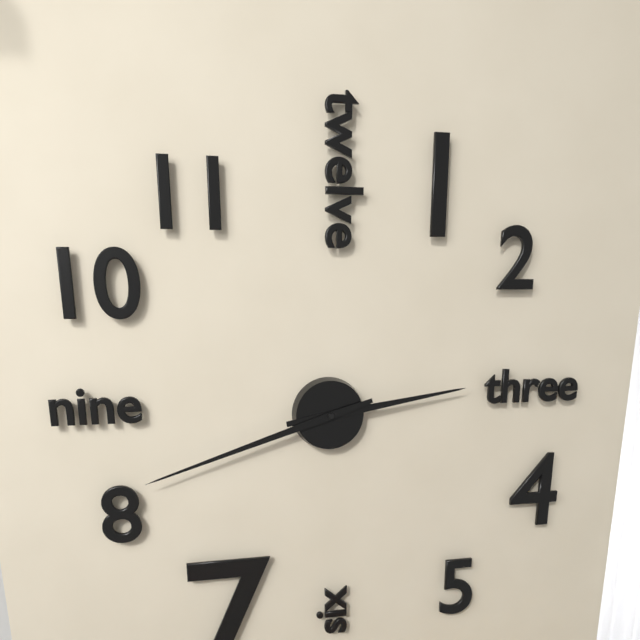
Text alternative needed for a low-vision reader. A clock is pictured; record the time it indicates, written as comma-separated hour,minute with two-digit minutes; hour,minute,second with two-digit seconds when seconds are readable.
2,42
